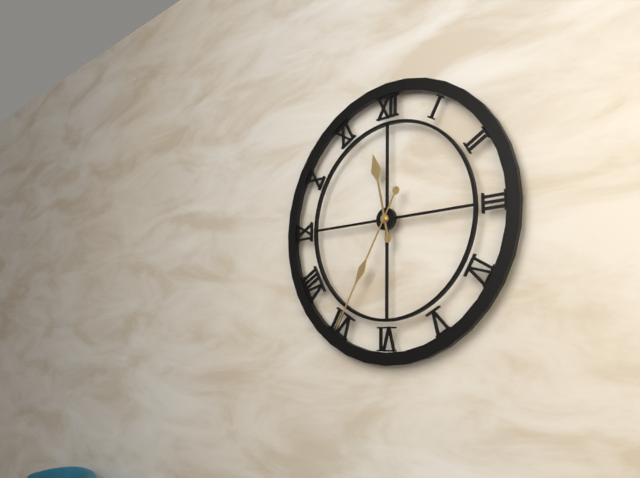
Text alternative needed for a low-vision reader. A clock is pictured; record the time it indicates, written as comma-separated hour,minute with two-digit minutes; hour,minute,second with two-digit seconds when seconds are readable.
11,35
